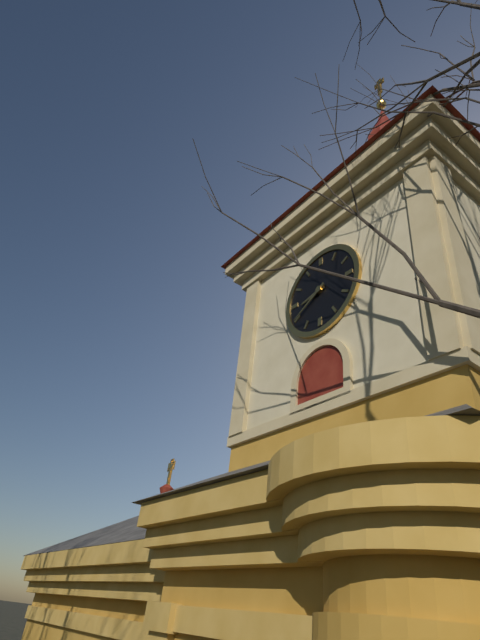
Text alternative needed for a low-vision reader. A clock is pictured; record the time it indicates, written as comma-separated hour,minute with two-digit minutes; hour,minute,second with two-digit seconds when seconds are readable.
8,40
